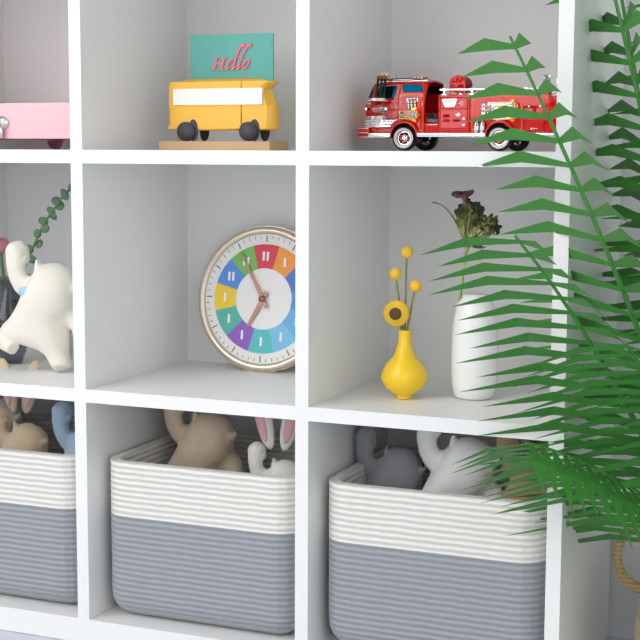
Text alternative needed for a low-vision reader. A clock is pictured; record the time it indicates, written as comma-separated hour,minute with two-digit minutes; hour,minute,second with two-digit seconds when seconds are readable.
6,55
